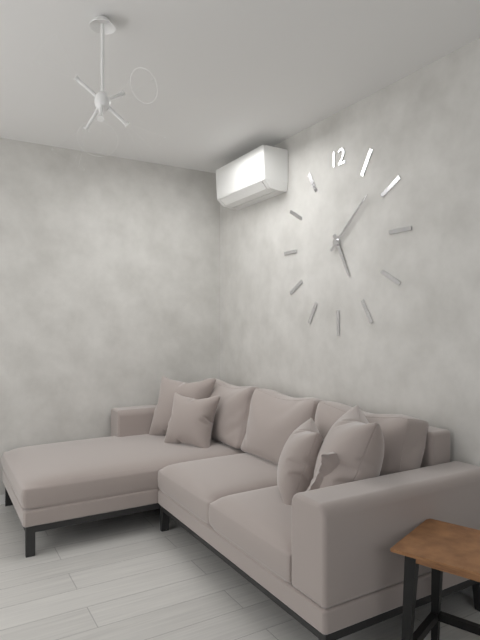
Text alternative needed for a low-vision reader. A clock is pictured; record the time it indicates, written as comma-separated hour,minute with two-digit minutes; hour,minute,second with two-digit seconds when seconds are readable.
5,08
